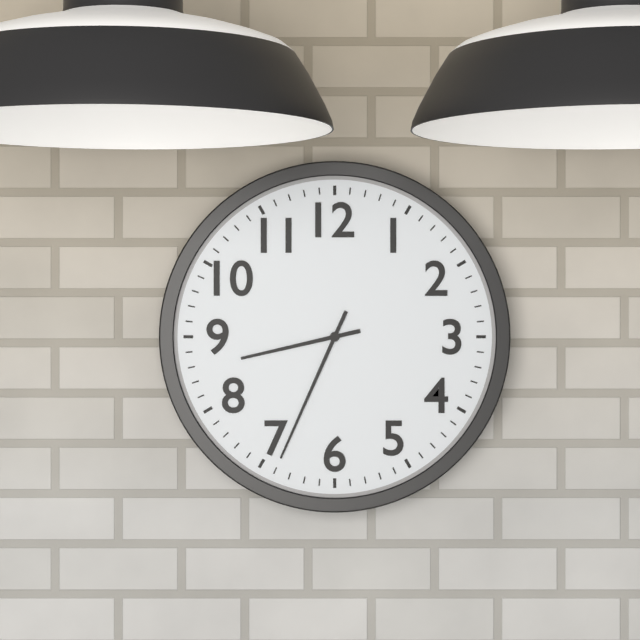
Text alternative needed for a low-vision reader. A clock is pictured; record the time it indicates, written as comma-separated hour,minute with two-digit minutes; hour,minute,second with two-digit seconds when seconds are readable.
8,34
